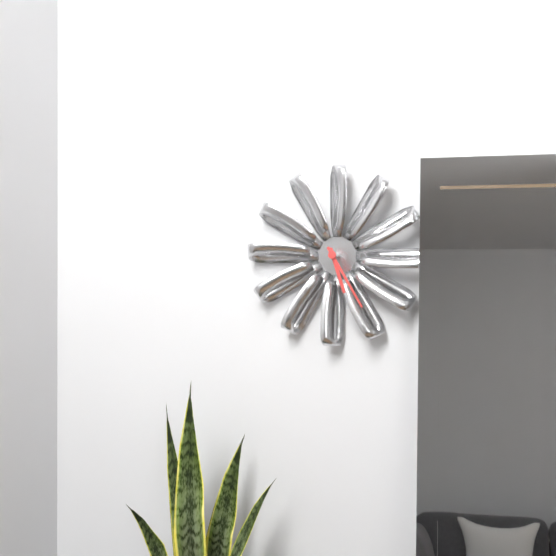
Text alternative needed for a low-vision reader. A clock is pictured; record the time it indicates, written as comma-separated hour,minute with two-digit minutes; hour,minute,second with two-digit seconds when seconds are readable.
5,25
